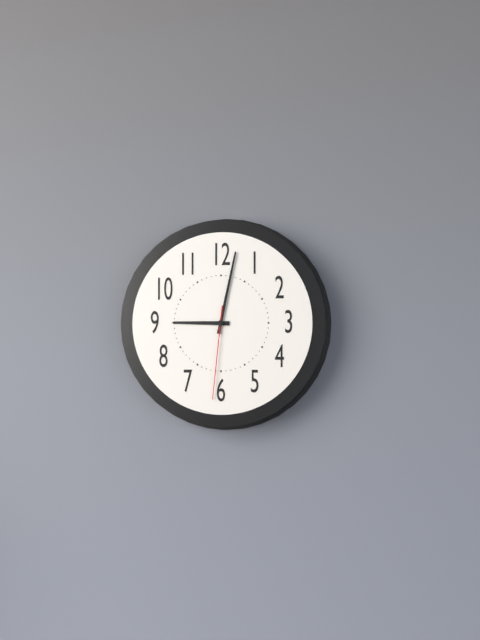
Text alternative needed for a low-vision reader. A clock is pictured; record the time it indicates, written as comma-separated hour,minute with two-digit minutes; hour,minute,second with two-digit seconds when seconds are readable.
9,02,31
